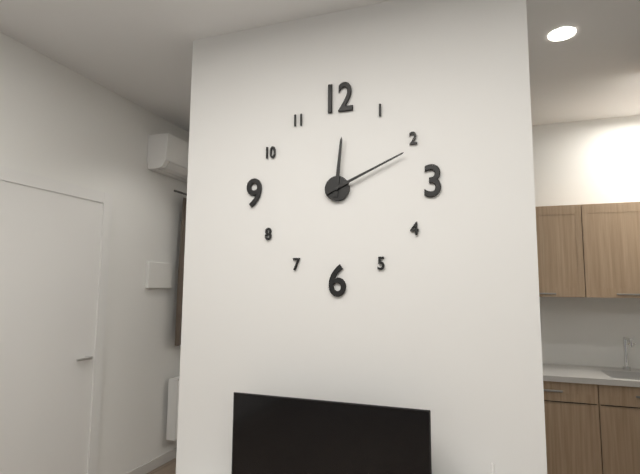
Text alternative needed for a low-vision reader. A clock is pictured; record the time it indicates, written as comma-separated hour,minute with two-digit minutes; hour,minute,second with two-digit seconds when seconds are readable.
12,11
